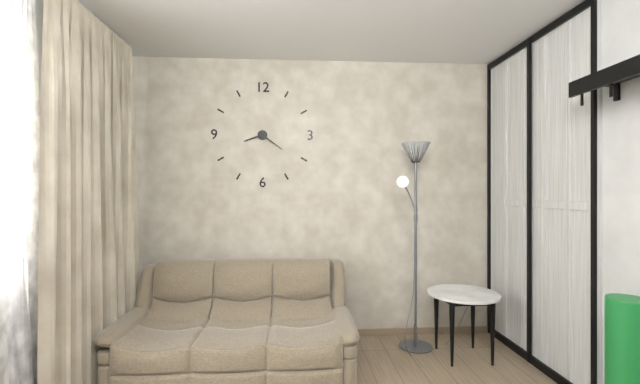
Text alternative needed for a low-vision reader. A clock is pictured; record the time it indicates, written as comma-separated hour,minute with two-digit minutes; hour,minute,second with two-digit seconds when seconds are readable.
8,21
